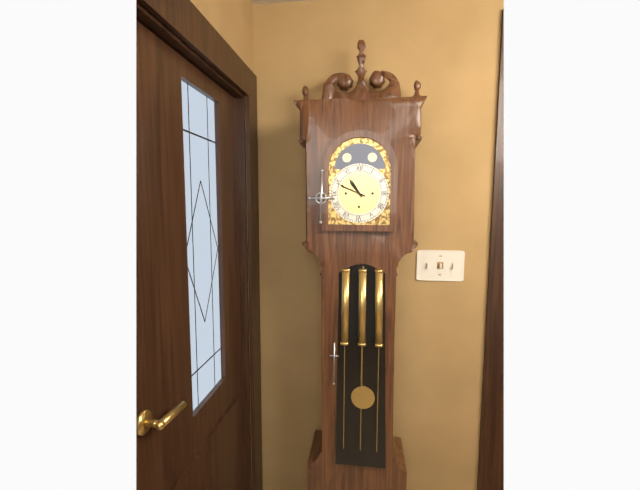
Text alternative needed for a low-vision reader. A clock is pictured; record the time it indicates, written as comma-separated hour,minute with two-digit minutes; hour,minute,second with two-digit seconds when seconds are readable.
10,49
